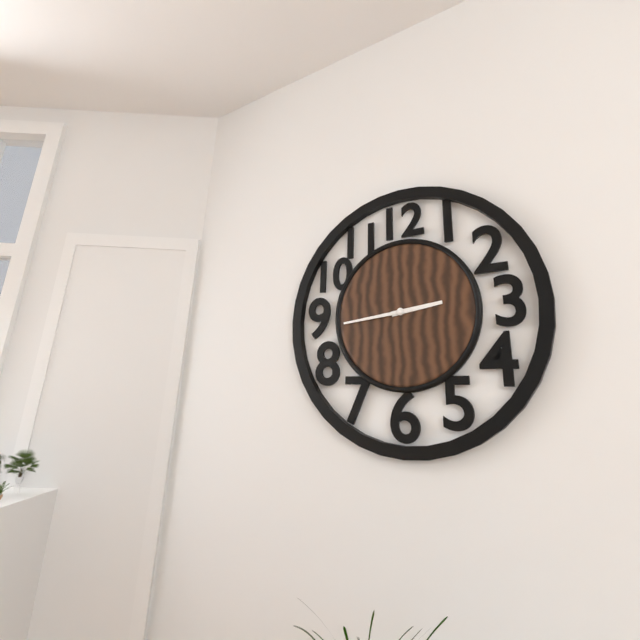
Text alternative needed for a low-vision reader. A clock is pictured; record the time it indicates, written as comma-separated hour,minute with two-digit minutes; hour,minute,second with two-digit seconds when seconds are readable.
2,44
